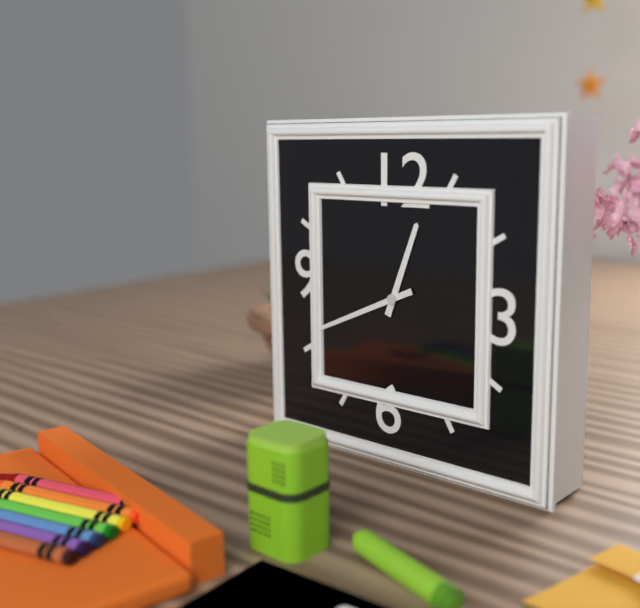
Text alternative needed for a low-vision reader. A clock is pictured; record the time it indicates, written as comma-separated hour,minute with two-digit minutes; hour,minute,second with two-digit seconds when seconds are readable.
12,41
